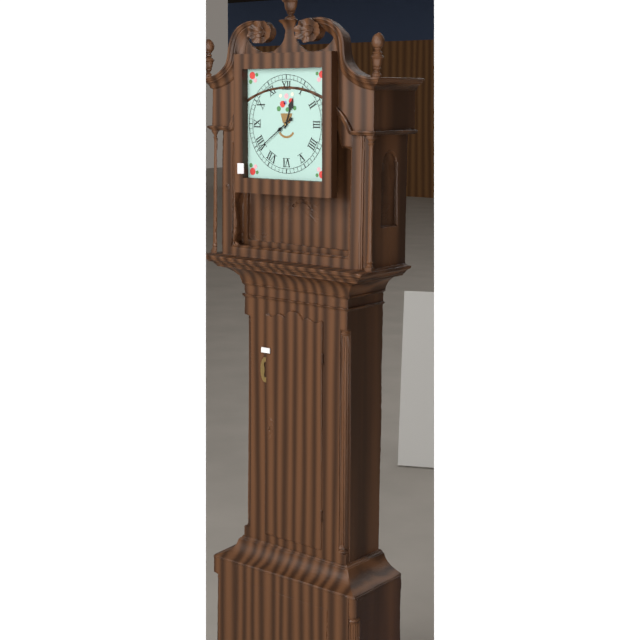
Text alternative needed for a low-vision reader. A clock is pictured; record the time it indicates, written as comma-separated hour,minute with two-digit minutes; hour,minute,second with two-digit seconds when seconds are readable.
12,39
